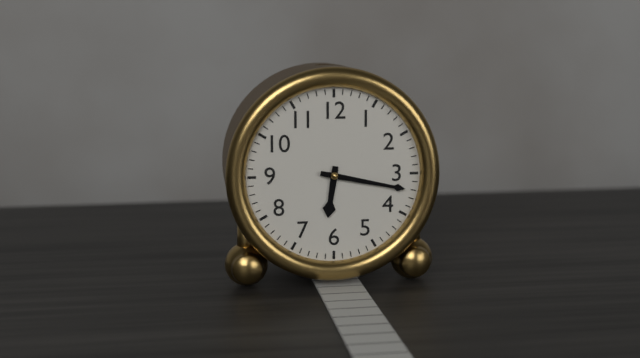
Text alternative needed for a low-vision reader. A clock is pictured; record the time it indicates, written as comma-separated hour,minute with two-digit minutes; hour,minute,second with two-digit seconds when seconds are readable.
6,17
